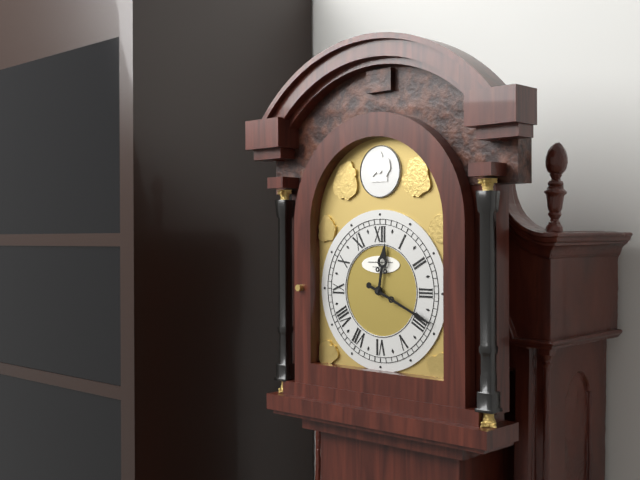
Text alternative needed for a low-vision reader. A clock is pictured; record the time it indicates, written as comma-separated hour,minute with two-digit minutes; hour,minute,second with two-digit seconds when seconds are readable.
12,19
